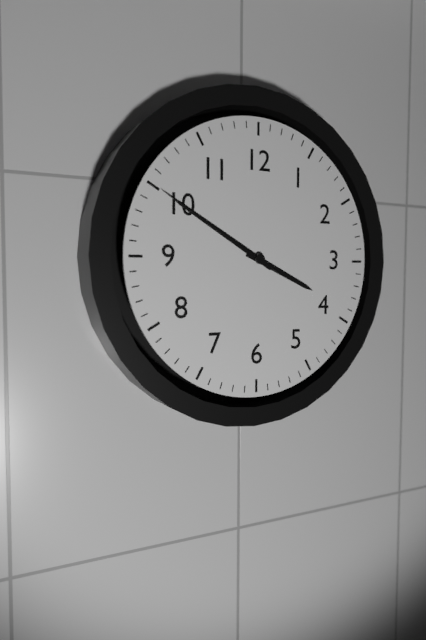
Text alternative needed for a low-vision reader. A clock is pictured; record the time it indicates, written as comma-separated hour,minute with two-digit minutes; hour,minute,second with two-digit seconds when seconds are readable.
3,50,50
